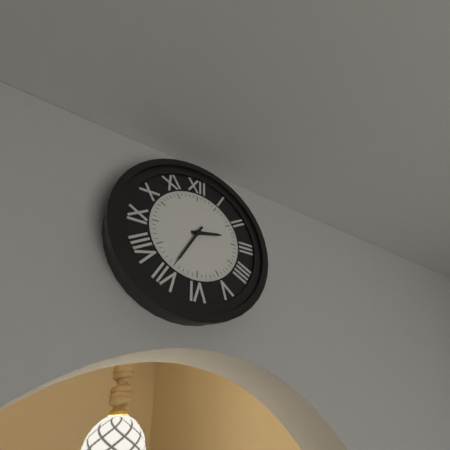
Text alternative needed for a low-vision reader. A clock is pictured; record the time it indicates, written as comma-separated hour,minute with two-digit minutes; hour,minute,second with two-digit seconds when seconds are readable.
2,35
